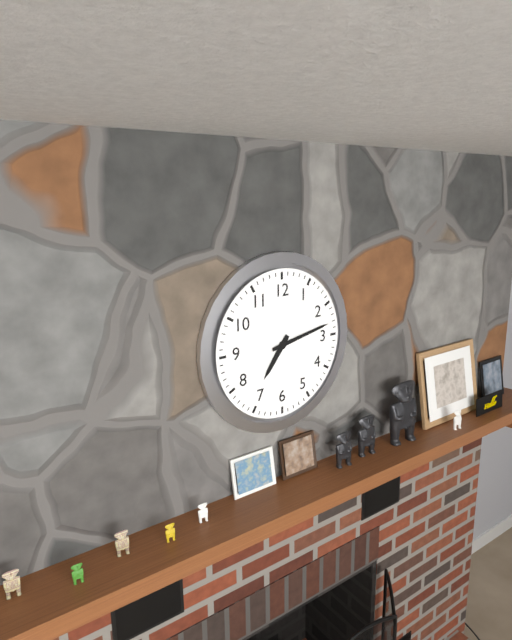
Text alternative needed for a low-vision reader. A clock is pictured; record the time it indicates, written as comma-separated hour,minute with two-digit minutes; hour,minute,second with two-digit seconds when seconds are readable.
7,13
